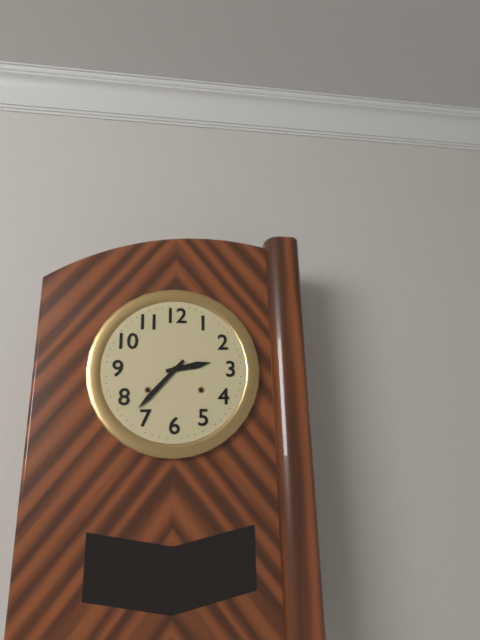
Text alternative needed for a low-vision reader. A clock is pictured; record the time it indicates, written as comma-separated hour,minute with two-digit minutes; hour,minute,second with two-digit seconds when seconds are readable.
2,37
